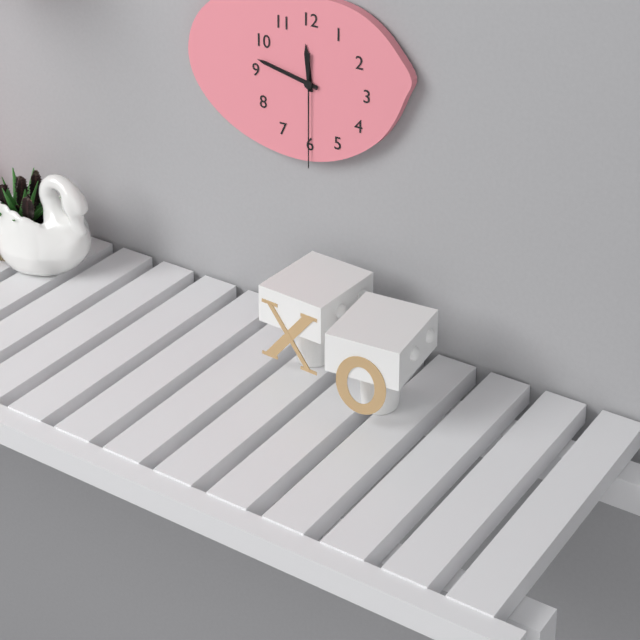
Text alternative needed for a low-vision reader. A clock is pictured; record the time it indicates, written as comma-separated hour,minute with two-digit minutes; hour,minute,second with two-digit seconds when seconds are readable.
11,47,30
